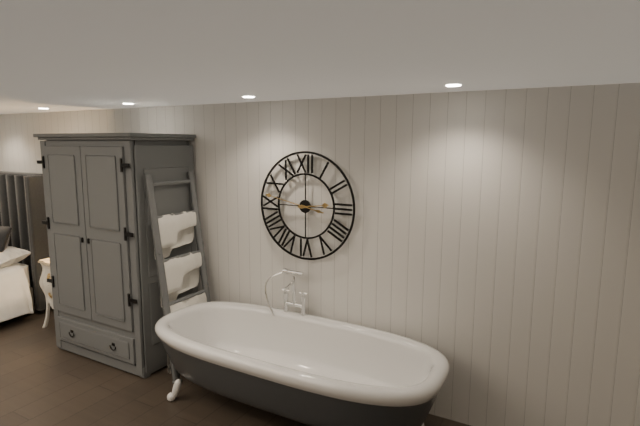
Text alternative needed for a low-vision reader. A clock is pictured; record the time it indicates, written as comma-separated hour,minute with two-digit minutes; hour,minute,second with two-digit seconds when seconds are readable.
2,47
